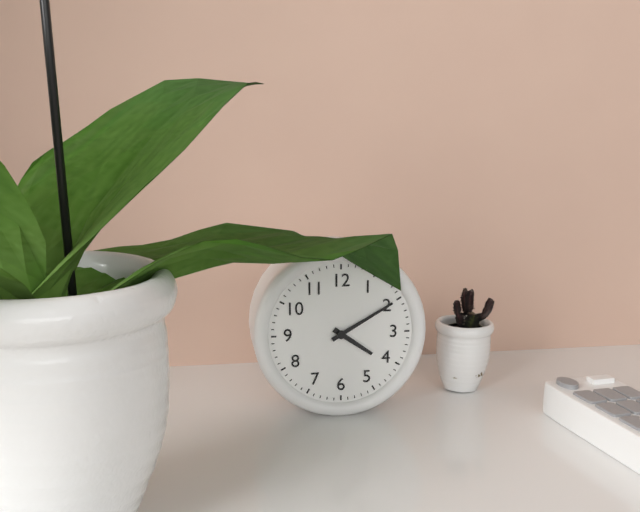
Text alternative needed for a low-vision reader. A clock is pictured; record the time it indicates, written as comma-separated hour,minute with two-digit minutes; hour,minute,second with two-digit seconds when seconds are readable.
4,10
